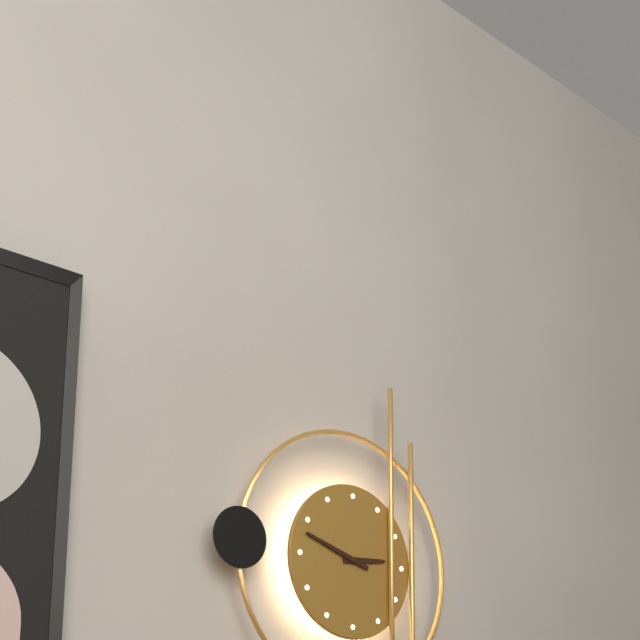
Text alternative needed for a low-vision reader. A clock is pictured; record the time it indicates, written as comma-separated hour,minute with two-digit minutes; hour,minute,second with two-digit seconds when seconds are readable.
2,48
